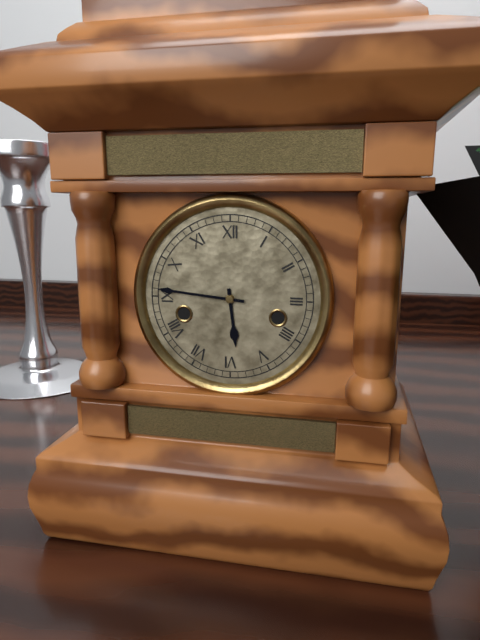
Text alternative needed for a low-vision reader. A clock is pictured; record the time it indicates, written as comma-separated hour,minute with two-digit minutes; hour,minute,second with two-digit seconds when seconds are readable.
5,46
